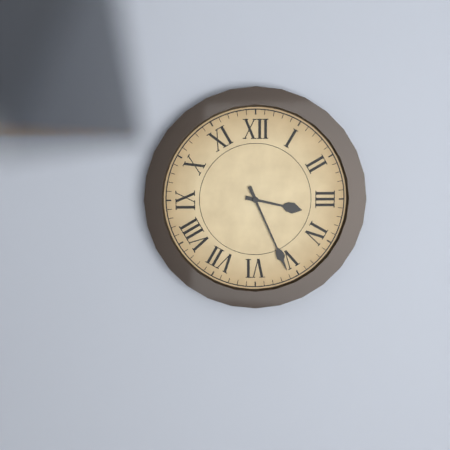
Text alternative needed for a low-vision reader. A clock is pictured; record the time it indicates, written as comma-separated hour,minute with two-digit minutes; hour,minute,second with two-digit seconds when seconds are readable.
3,26
